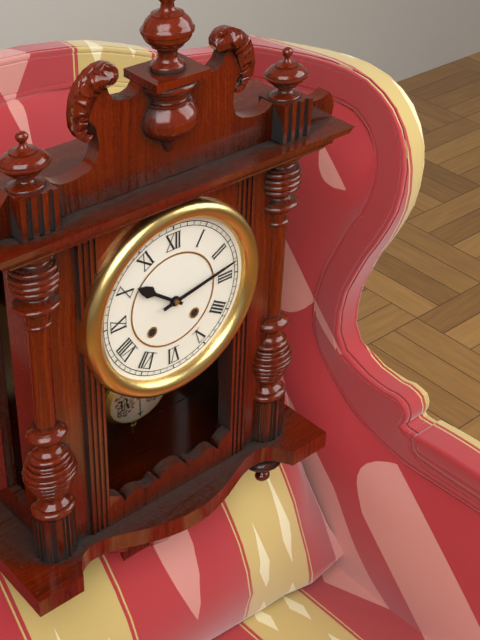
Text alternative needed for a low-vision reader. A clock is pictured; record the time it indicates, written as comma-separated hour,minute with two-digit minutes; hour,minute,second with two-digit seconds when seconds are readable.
10,13
